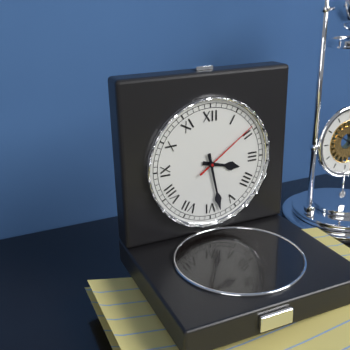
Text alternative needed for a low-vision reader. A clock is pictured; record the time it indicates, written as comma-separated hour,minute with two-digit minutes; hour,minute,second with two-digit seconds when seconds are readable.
3,28,09
